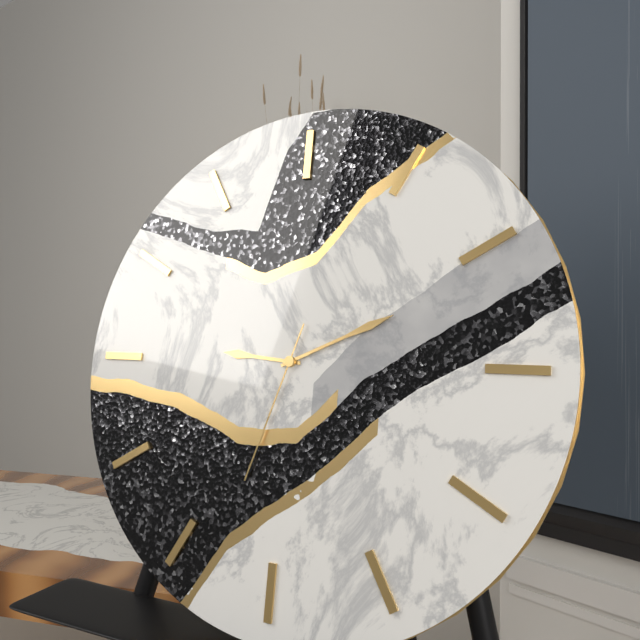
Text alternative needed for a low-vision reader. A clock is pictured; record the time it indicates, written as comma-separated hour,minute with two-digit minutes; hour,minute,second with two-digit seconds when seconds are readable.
9,11,33
